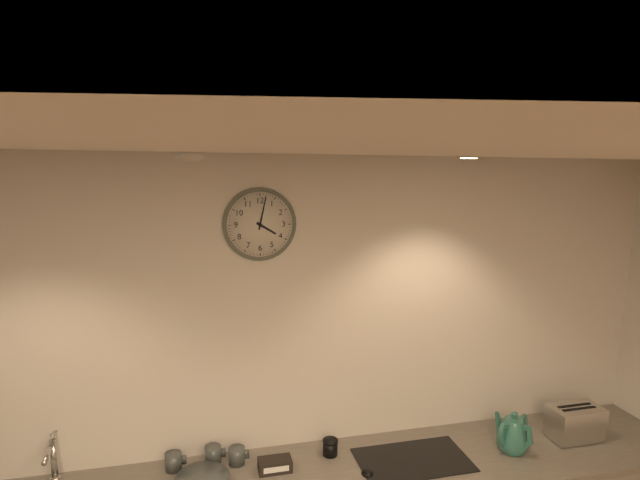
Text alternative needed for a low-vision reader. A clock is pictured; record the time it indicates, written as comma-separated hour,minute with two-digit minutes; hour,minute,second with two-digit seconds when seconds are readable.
4,02
